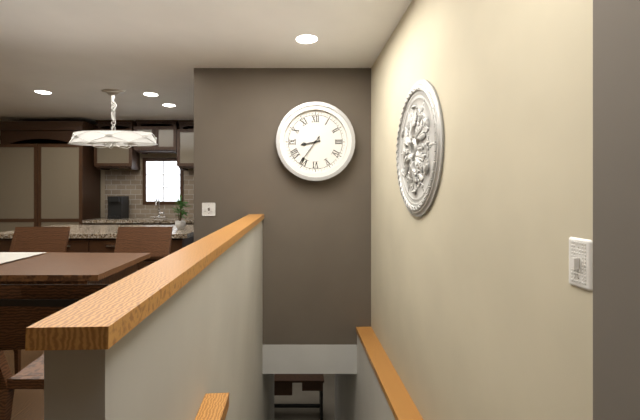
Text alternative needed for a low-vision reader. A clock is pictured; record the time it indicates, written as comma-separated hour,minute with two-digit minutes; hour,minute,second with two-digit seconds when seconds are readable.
8,36
